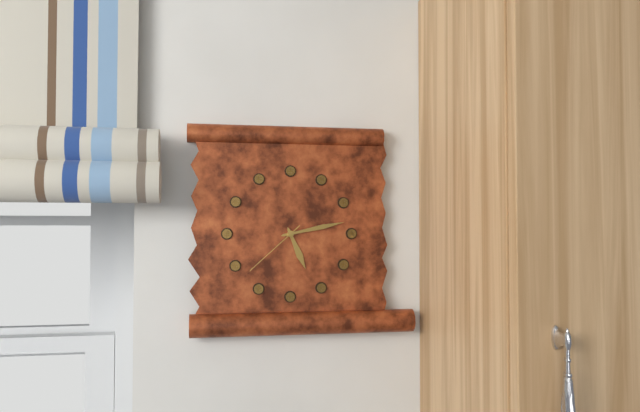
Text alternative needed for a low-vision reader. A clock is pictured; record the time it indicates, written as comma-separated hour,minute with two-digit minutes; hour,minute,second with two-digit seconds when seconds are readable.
5,13,38
